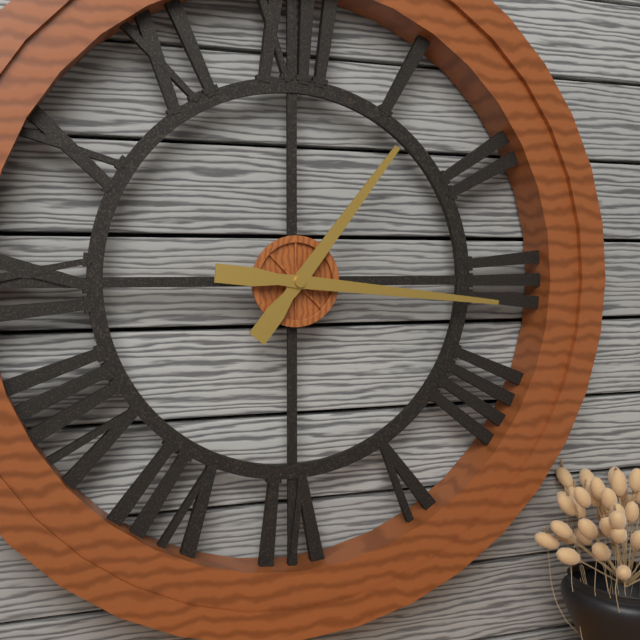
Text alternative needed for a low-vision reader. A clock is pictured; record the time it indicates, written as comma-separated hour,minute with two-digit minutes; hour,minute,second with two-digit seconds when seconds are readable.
1,16
